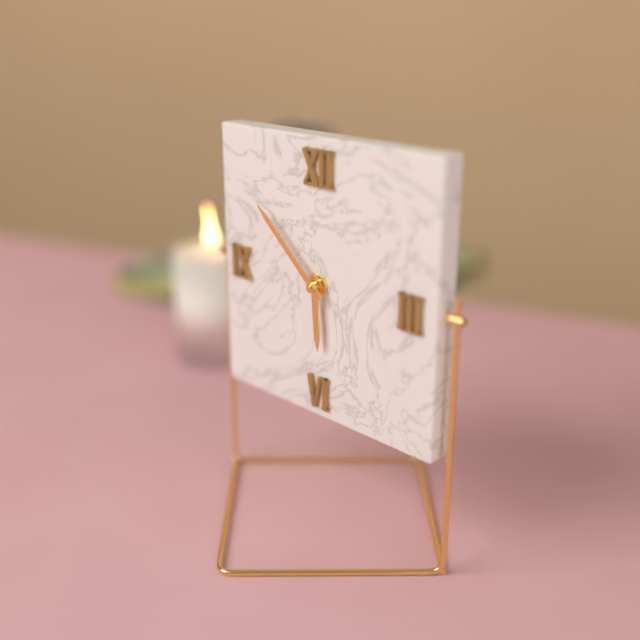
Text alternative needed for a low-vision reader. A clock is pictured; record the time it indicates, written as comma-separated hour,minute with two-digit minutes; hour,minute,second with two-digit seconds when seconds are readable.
5,52
